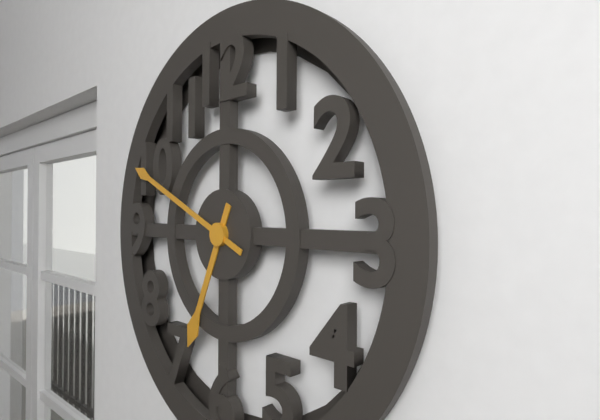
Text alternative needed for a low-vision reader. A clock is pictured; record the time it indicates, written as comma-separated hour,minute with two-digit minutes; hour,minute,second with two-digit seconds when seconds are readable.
6,49
